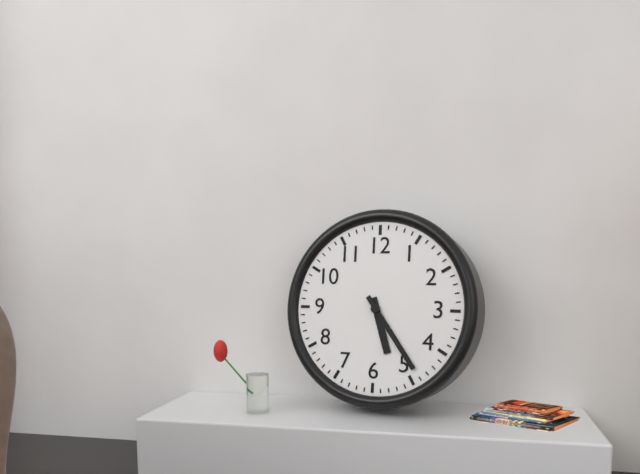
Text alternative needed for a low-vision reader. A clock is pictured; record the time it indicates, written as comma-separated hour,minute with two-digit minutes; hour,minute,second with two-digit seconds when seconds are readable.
5,24
